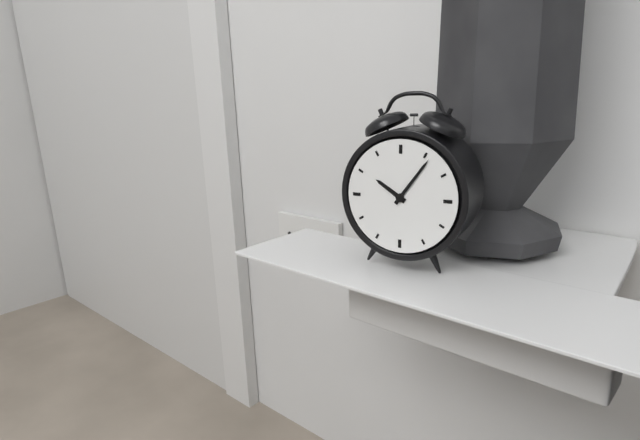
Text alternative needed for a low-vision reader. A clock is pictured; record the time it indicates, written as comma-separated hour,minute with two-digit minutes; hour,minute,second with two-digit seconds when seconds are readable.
10,06
